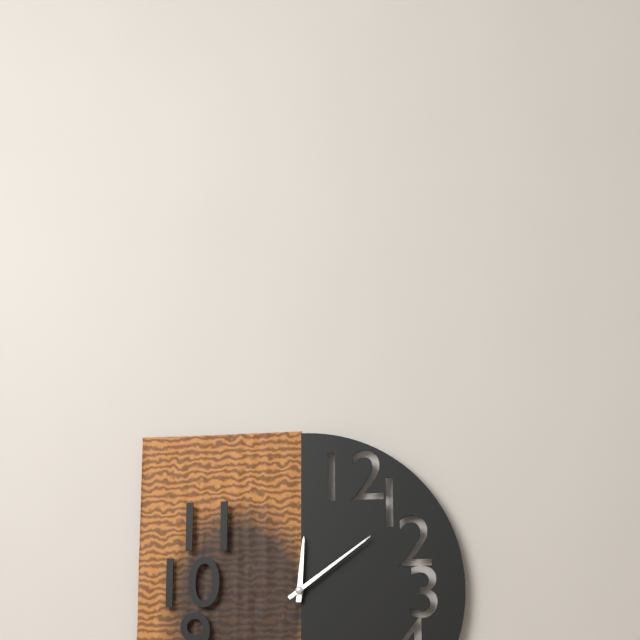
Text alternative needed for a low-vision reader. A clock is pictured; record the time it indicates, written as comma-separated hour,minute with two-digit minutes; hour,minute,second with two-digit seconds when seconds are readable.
12,09
